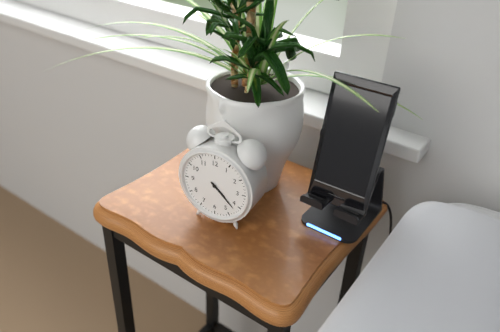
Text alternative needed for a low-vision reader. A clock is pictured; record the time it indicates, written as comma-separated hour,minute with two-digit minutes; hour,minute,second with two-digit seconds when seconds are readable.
4,22
